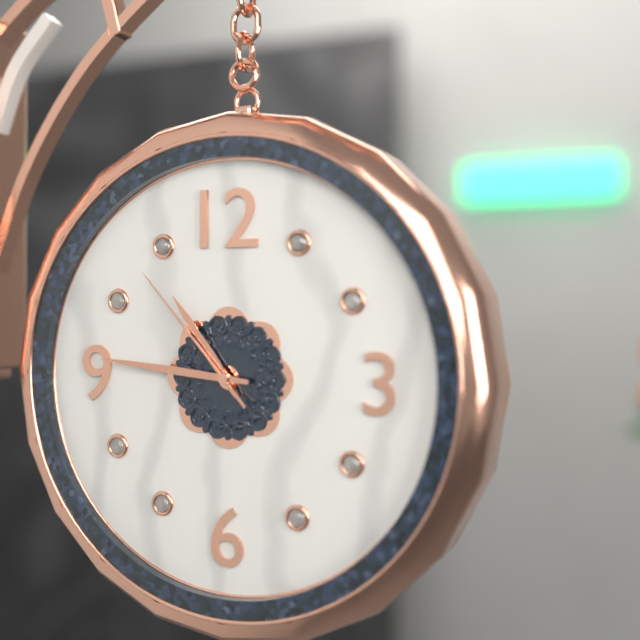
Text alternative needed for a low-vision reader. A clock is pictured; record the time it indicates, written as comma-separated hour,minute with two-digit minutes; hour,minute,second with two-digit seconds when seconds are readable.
10,46,53
